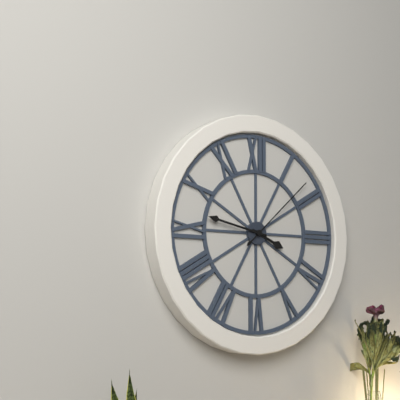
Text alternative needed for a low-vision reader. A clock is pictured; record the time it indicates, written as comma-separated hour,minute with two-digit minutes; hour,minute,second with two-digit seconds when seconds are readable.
3,47,08
